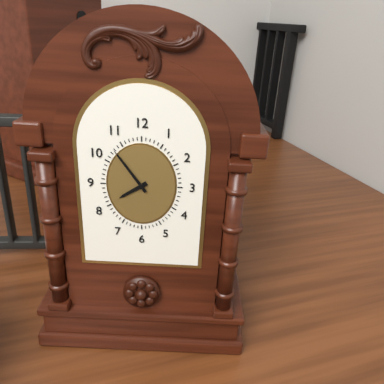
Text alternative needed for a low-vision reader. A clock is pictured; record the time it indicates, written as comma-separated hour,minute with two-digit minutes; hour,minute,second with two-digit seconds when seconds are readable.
7,54
